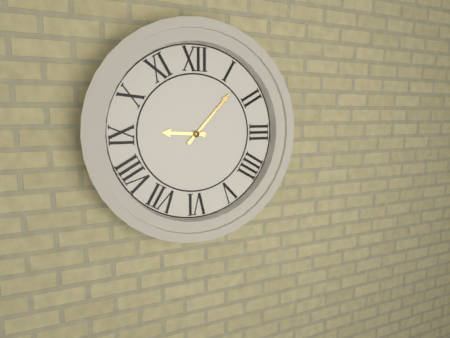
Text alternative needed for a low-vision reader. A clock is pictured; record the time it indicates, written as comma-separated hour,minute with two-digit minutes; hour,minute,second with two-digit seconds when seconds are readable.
9,07
